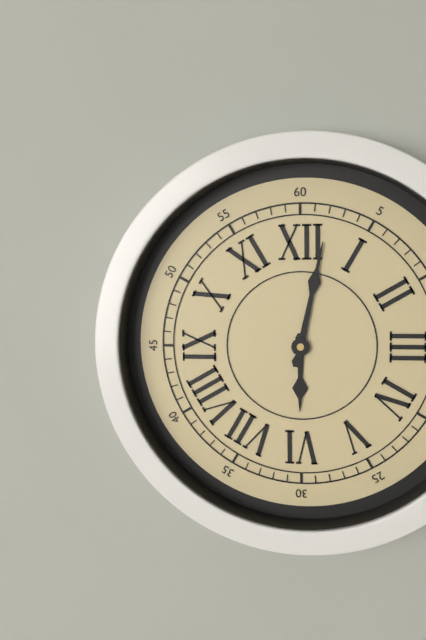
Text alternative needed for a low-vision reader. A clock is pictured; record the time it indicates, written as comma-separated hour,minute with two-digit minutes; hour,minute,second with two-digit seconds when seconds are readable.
6,02
